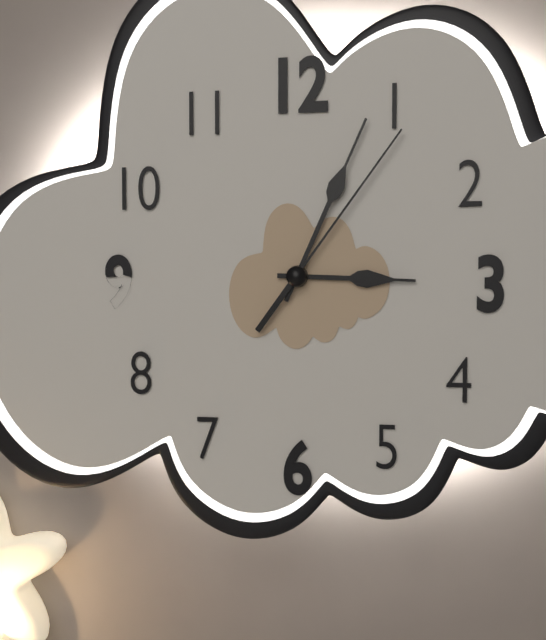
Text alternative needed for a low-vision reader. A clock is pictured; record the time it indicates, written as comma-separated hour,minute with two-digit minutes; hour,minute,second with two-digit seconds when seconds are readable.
3,04,06
